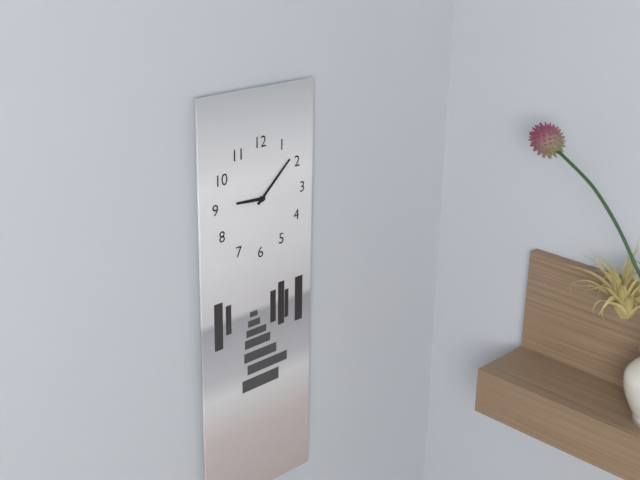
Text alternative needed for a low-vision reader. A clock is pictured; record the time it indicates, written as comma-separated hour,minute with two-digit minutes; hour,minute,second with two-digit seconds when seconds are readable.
9,08
